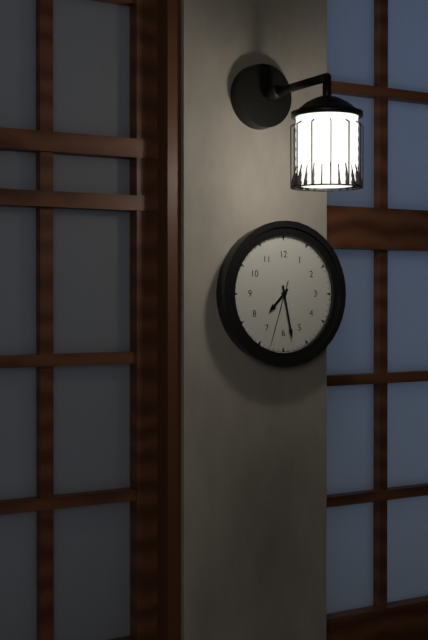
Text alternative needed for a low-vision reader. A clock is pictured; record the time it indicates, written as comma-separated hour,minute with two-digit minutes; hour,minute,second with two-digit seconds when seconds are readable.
7,28,33
